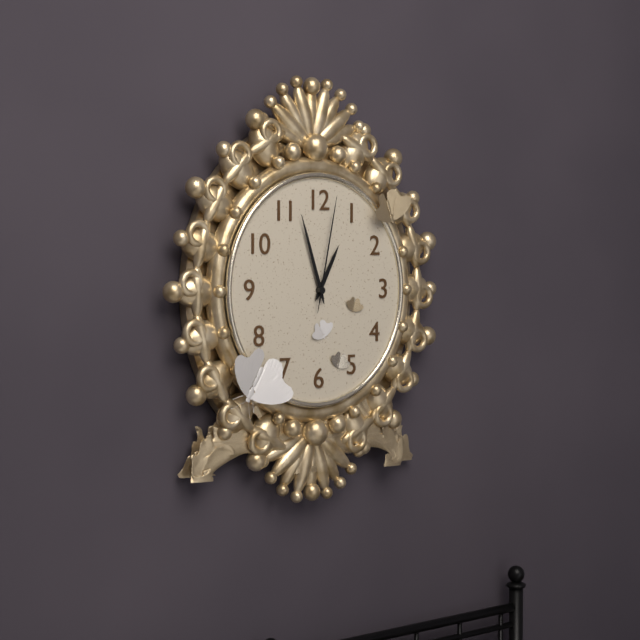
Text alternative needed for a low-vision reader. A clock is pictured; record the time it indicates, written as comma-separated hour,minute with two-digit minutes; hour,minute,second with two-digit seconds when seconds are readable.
12,57,02
